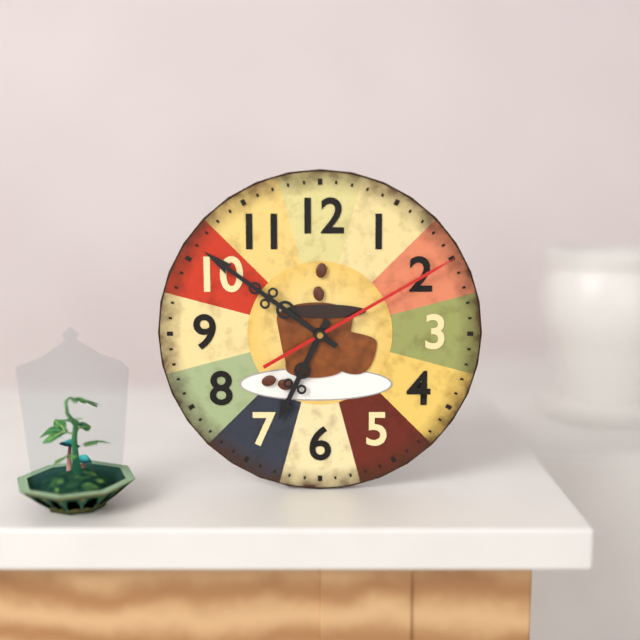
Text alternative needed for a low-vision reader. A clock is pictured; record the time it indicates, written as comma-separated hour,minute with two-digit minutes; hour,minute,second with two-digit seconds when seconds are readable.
6,51,10
